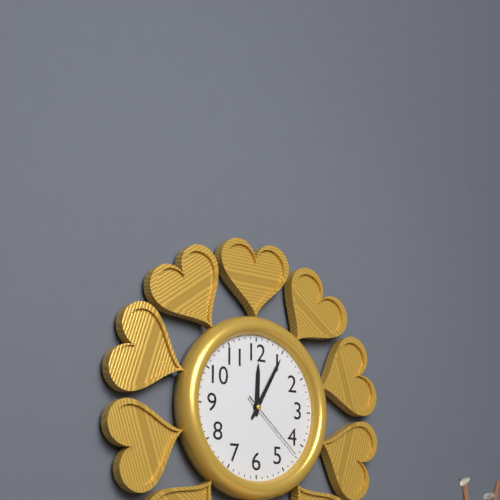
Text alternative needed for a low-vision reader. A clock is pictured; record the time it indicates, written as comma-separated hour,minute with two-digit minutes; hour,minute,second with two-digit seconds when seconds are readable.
12,05,22
